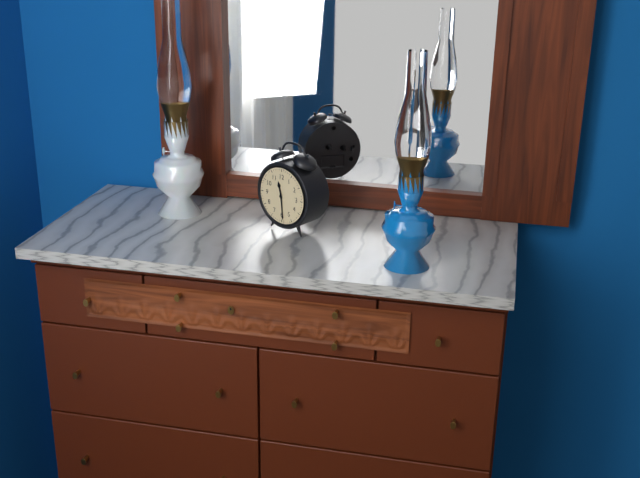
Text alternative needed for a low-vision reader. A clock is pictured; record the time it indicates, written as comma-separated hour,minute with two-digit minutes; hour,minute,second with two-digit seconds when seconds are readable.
11,29
